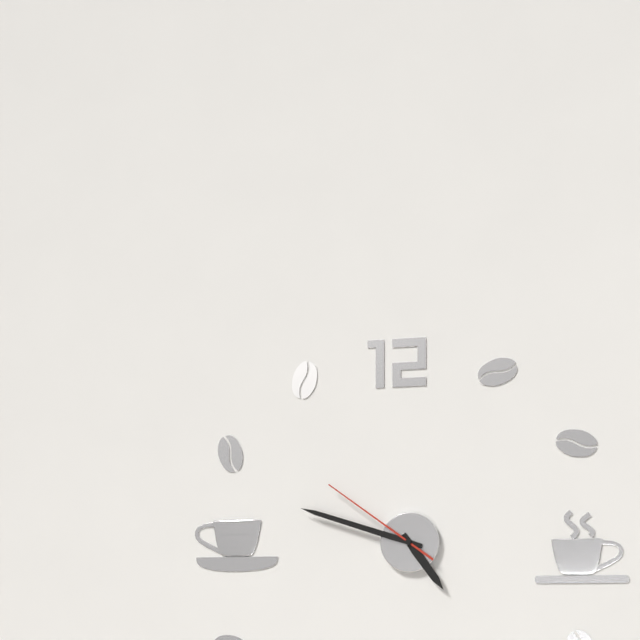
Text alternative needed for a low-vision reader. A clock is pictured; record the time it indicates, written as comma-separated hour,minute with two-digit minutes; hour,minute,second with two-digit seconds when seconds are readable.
4,48,51
